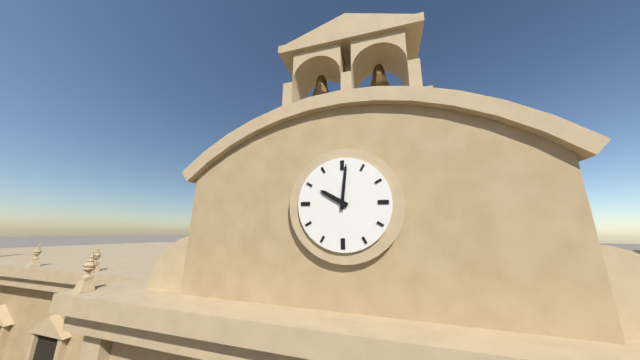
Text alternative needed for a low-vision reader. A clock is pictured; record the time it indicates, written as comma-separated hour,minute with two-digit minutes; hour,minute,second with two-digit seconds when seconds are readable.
10,01
